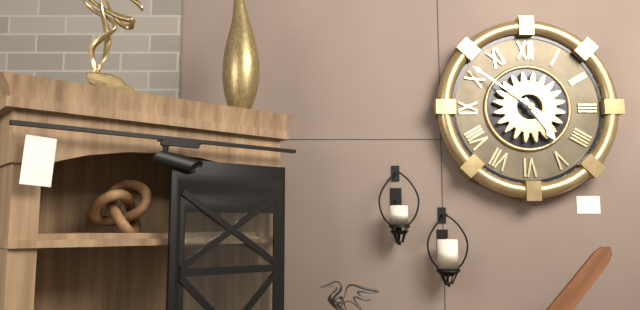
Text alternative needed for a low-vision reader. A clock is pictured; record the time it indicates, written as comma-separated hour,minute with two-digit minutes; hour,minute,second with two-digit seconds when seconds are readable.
4,51
